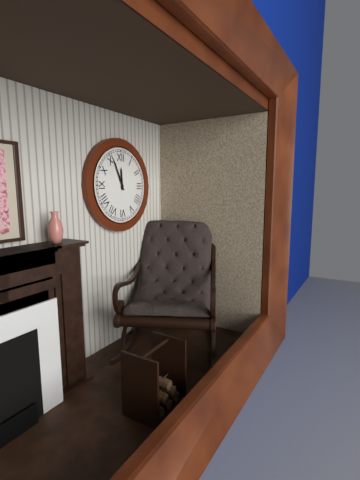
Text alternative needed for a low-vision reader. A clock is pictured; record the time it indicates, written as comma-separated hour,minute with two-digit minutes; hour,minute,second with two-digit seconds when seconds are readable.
11,56
